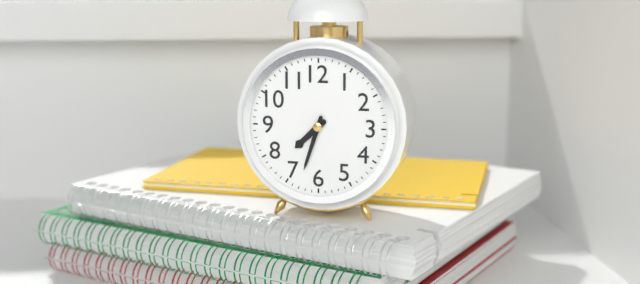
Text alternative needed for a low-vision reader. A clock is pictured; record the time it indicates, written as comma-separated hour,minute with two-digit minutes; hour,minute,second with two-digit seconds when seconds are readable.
7,33
